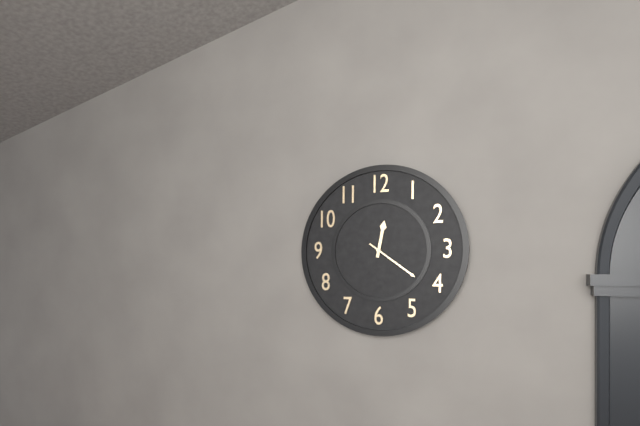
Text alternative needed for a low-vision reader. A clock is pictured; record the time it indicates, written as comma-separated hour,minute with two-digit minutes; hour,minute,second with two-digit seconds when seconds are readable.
12,21
